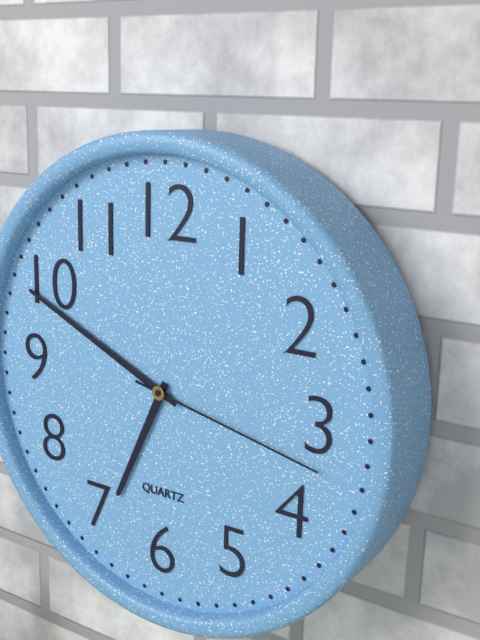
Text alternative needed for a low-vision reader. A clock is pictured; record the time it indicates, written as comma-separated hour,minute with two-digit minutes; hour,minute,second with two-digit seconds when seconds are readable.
6,49,17
